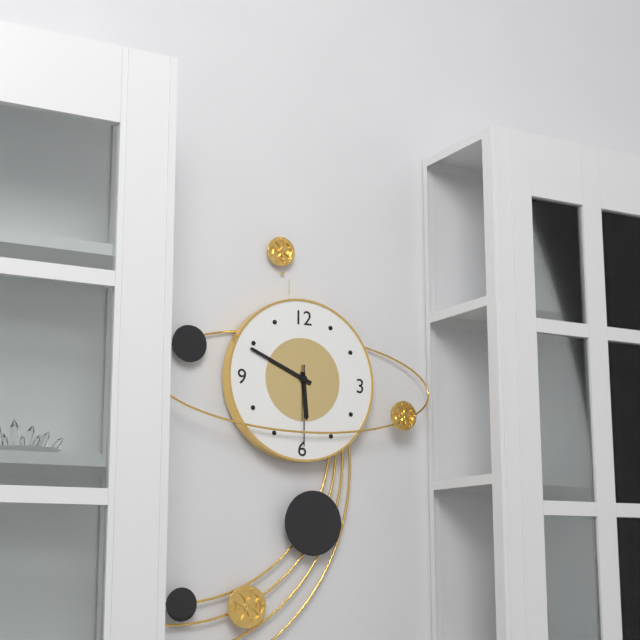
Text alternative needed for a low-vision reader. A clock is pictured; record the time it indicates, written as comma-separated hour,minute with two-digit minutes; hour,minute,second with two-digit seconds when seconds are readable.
5,49,30
